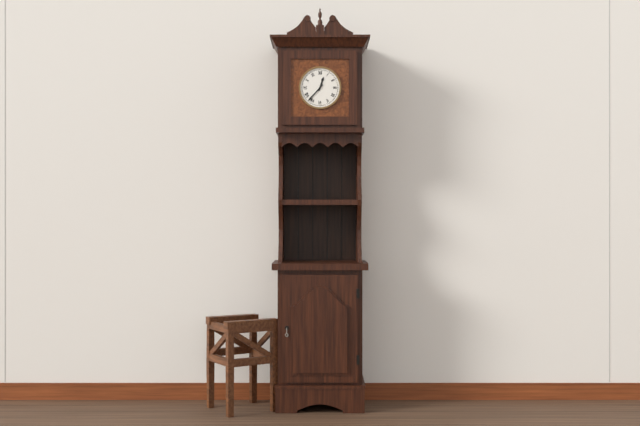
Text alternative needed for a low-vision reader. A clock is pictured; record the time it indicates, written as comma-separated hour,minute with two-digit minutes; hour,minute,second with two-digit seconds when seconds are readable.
12,37
